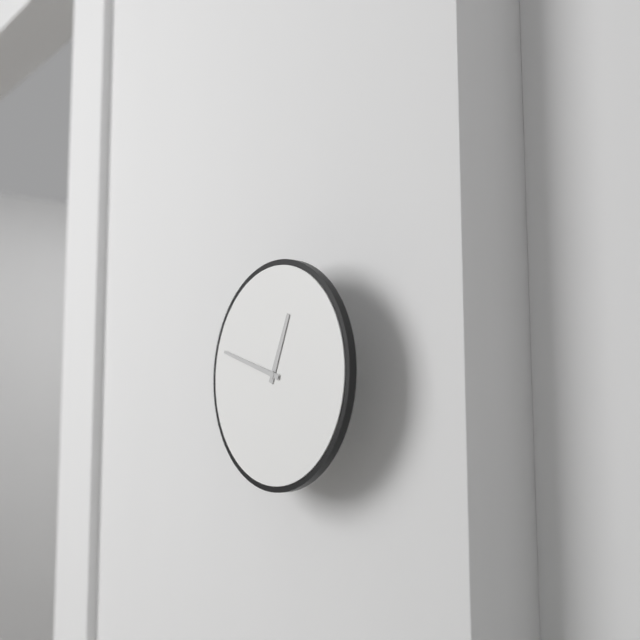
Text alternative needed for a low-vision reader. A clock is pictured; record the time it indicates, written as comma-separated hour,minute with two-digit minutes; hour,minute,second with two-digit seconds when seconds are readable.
12,48
